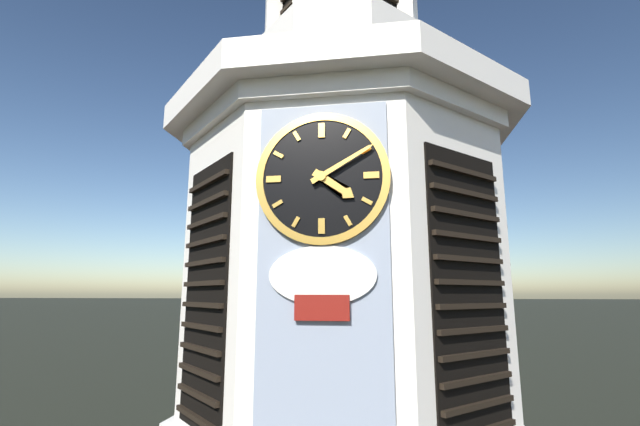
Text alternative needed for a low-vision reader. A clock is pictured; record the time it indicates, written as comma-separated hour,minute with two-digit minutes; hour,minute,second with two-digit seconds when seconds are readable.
4,10
